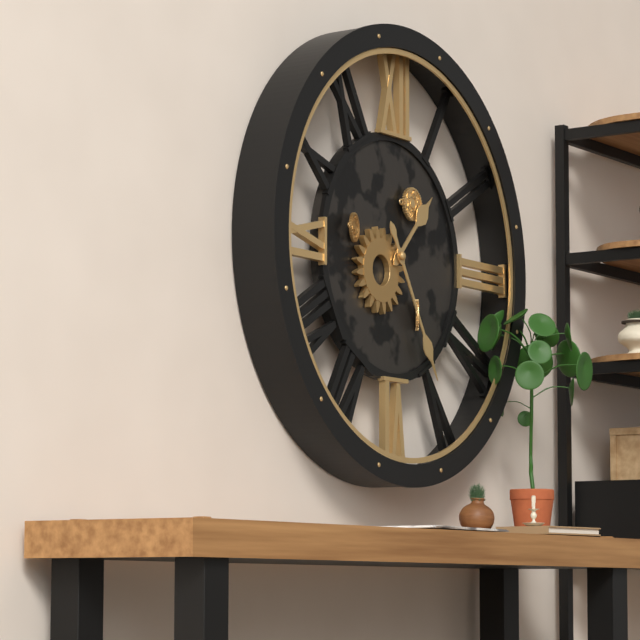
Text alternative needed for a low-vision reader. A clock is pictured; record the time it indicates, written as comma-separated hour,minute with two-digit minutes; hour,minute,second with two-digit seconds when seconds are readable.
1,25
